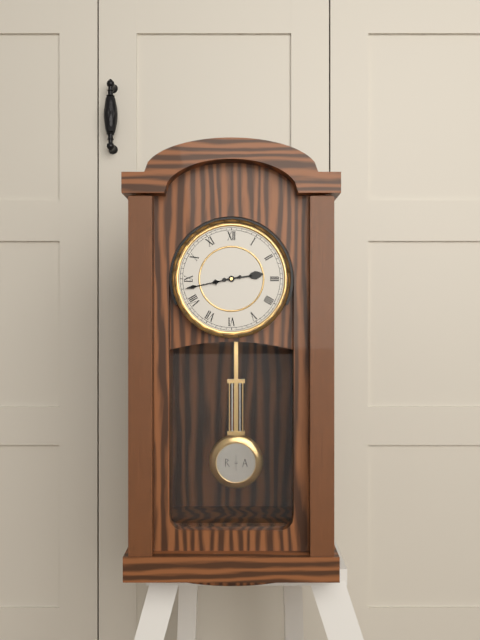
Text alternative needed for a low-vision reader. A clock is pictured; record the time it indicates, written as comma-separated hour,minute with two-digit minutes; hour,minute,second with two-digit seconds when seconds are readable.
2,43
